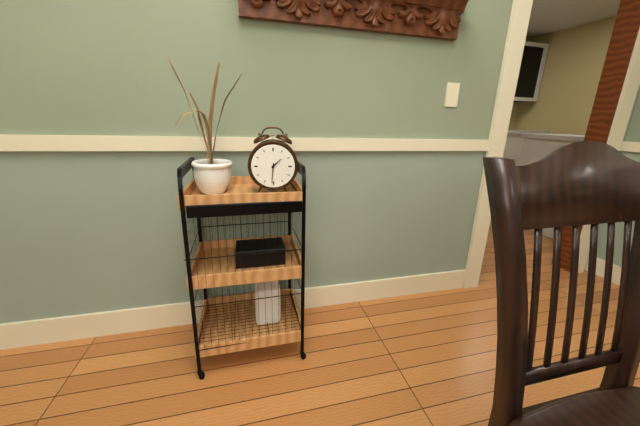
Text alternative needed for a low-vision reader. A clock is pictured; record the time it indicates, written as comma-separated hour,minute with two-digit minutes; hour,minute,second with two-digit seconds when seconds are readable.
1,31
